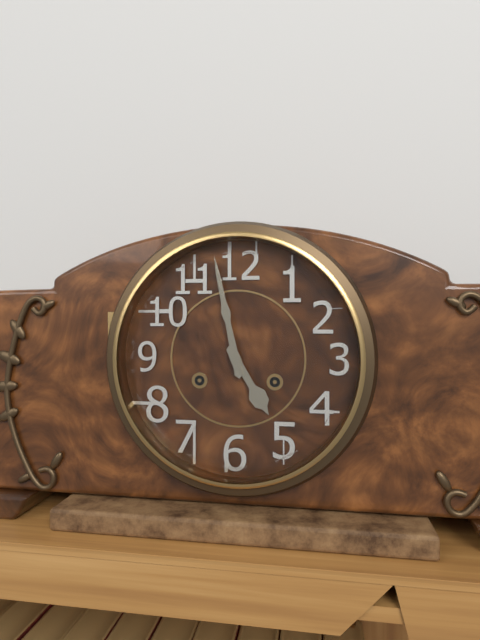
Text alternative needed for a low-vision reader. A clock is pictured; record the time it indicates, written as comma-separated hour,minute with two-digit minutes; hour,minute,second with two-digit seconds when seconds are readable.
4,58
